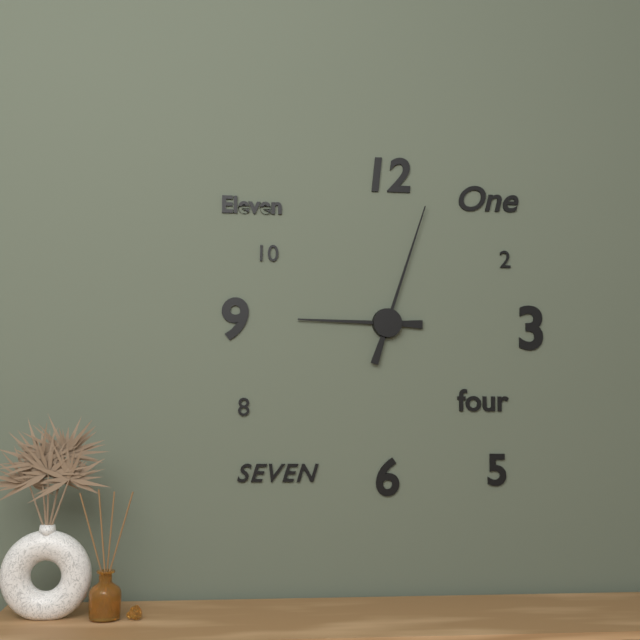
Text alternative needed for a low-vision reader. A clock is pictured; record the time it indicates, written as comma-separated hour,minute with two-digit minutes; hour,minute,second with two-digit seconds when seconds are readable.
9,03
